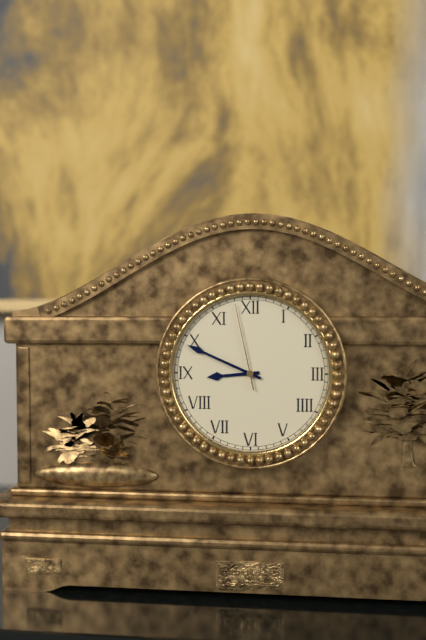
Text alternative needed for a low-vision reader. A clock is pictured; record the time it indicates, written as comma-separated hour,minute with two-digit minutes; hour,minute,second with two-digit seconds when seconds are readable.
8,49,58
